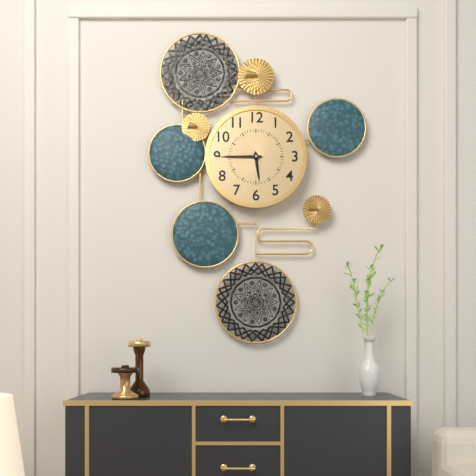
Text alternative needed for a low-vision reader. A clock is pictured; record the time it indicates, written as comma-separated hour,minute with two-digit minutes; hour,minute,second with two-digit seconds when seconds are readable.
5,45
